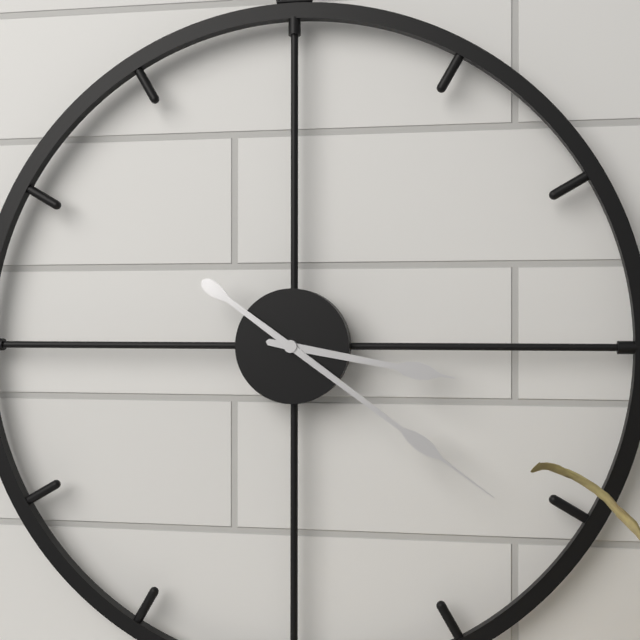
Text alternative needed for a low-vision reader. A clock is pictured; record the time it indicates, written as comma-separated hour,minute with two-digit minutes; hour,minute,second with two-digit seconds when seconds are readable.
3,21
